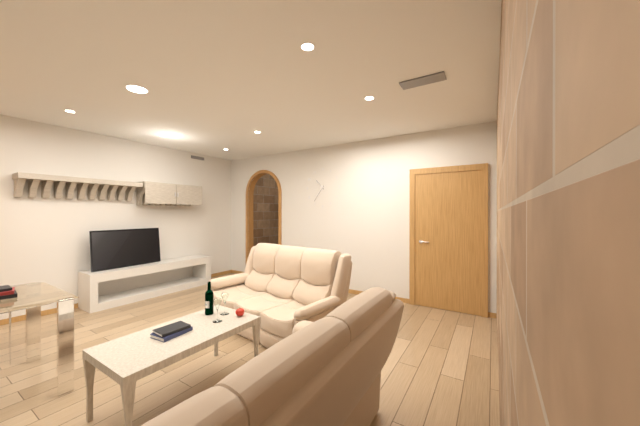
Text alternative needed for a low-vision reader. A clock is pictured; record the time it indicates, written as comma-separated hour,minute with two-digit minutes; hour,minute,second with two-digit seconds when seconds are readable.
10,36
